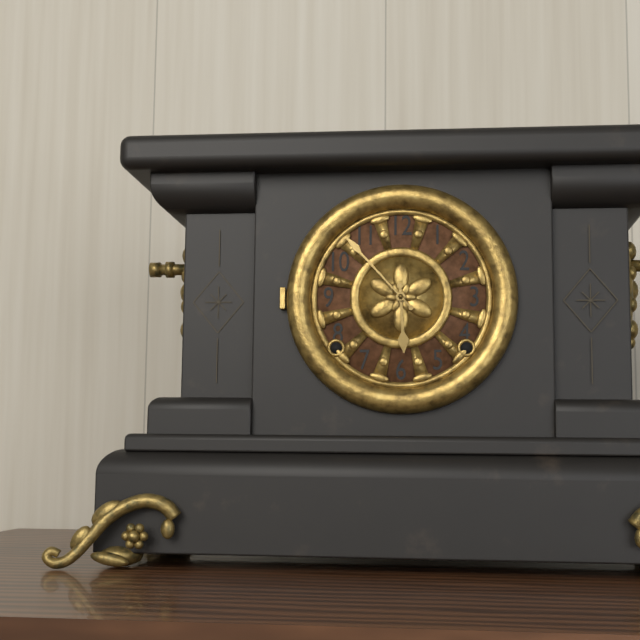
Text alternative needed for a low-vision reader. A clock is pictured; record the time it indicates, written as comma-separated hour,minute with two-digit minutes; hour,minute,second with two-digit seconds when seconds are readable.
5,53
